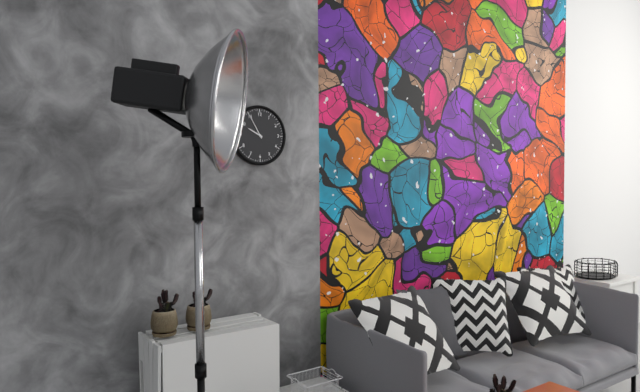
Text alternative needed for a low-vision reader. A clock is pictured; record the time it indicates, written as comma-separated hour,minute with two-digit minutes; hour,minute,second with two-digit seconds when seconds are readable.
9,55
